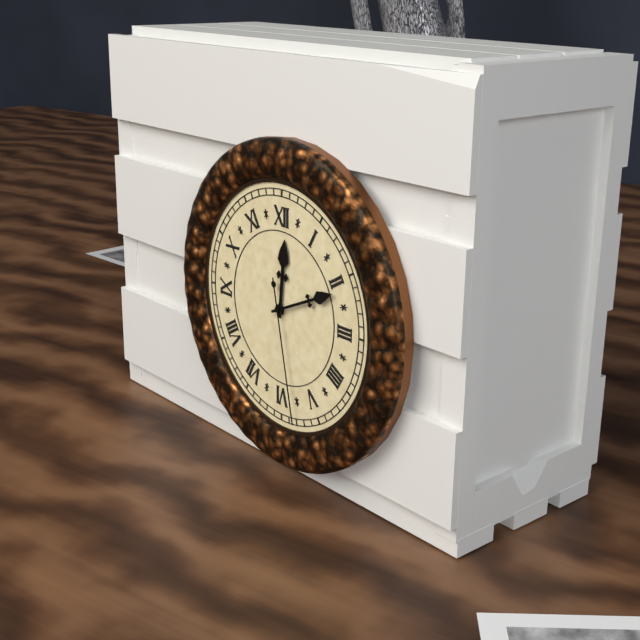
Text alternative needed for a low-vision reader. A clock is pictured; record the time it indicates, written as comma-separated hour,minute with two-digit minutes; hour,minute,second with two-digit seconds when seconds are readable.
12,11,28
